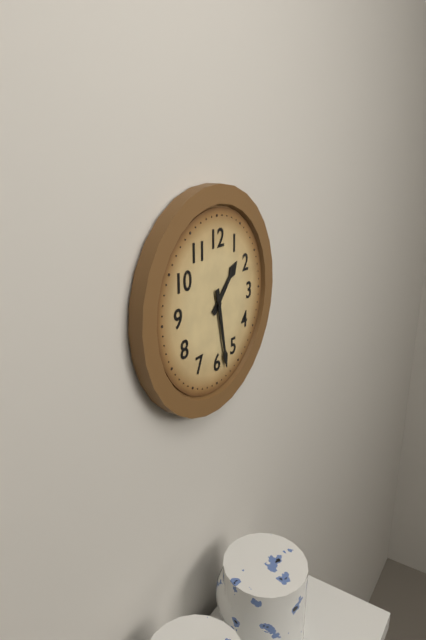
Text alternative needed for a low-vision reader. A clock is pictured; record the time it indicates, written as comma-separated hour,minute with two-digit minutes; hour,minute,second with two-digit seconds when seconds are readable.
1,28
